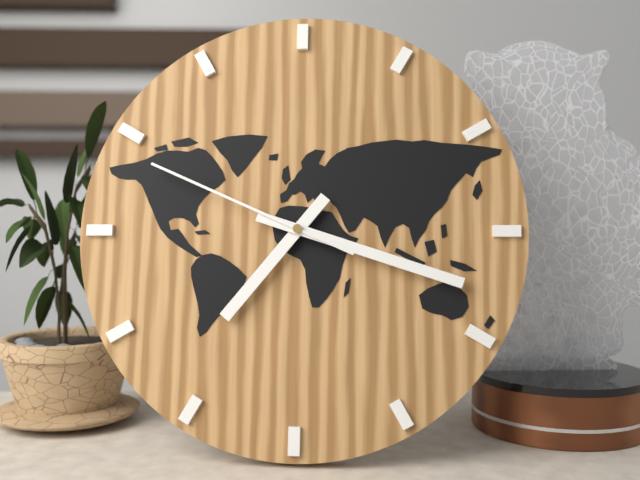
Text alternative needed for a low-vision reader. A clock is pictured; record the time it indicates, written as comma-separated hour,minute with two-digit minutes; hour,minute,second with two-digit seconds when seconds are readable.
7,18,49
